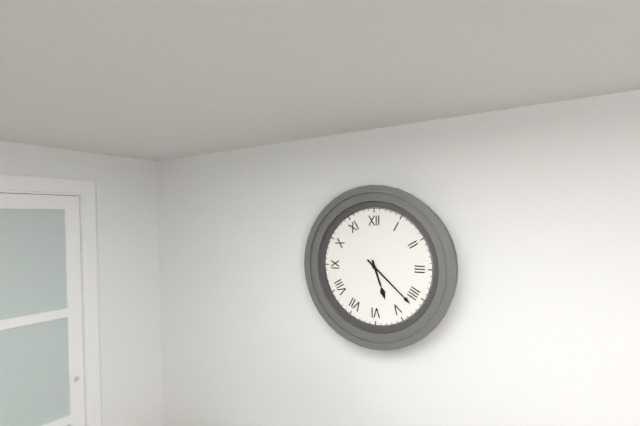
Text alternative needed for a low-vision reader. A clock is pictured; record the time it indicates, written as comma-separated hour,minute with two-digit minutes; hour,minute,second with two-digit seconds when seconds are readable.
5,22
